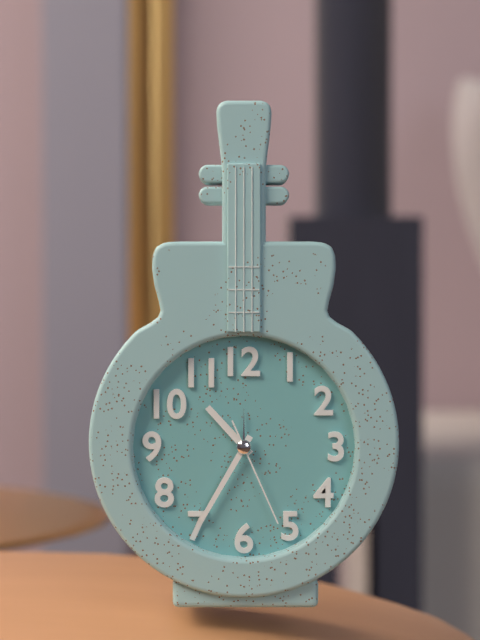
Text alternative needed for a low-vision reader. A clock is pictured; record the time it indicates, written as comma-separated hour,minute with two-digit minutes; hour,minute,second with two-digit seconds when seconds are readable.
10,35,26
